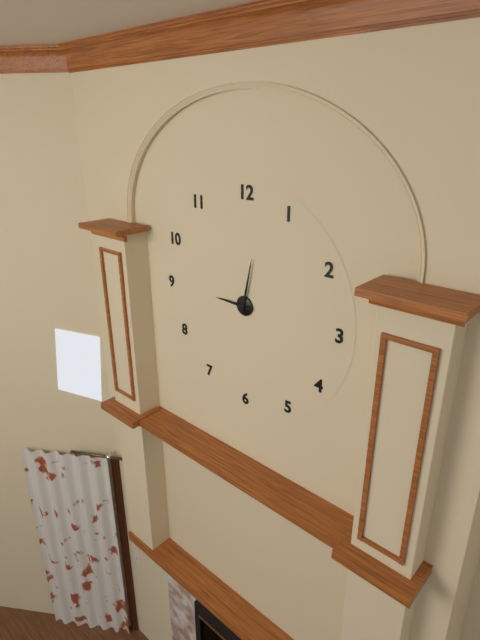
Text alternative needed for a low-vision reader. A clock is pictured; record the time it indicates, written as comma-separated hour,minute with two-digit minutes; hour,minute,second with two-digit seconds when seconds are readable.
9,02
